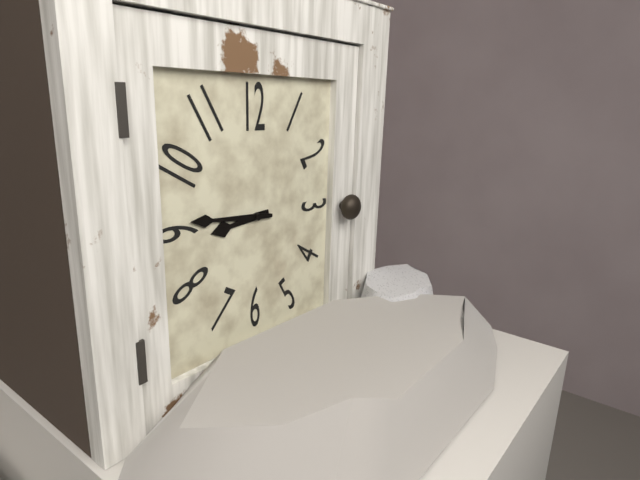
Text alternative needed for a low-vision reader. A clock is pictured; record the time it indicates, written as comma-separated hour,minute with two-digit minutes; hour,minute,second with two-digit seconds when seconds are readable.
8,46
